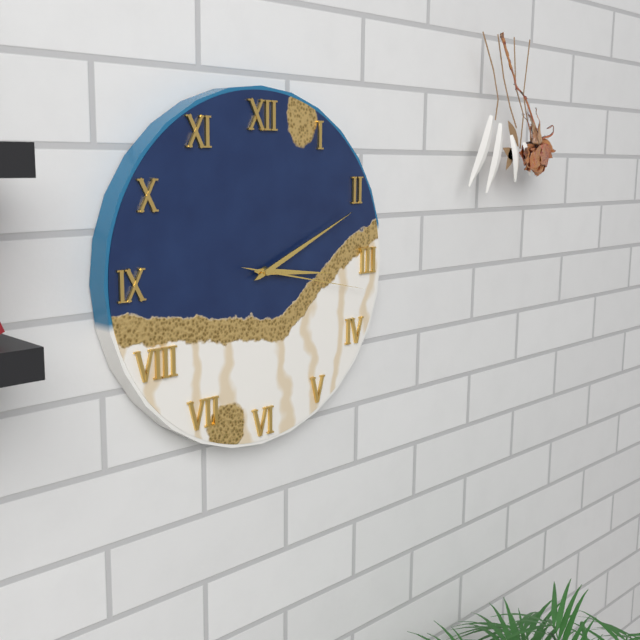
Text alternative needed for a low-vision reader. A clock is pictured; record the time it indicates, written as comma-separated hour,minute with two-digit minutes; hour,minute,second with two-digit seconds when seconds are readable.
3,11,17
